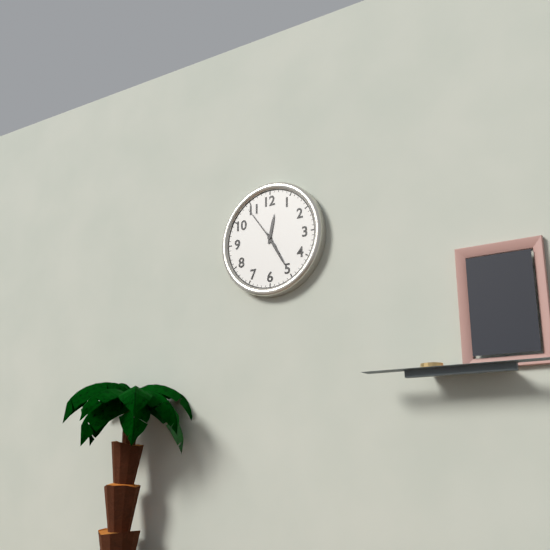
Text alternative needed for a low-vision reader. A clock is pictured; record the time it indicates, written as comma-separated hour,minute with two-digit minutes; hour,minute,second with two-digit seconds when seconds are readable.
12,25
